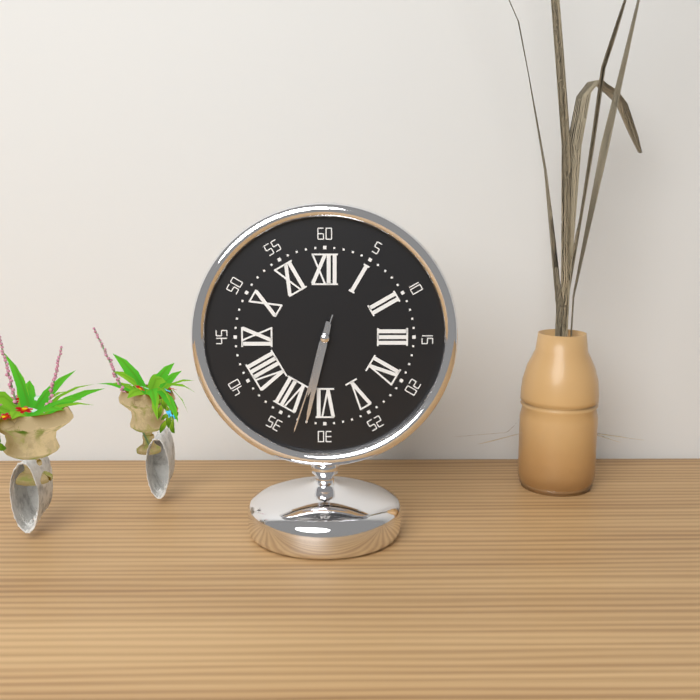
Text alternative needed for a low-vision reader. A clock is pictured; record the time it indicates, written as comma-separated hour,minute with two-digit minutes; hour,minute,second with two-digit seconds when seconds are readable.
6,32,33
